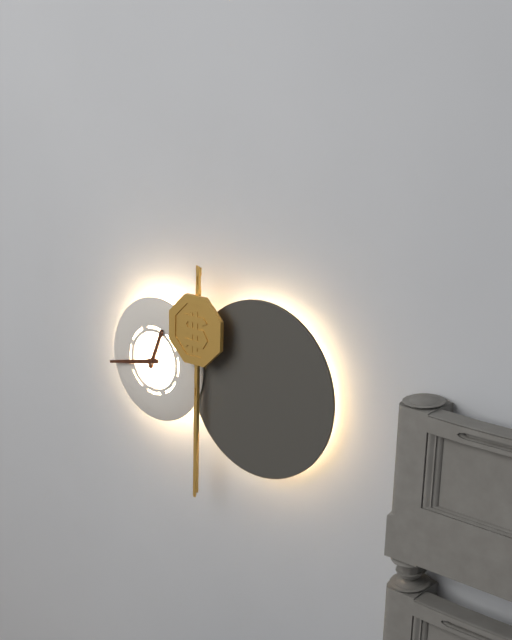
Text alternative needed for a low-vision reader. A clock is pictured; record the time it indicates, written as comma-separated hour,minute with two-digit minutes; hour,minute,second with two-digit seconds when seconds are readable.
12,43
